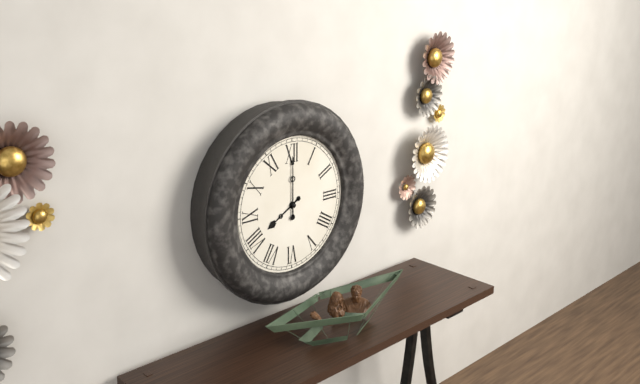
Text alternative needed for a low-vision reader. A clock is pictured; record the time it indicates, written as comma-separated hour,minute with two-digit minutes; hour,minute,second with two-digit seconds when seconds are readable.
8,00
